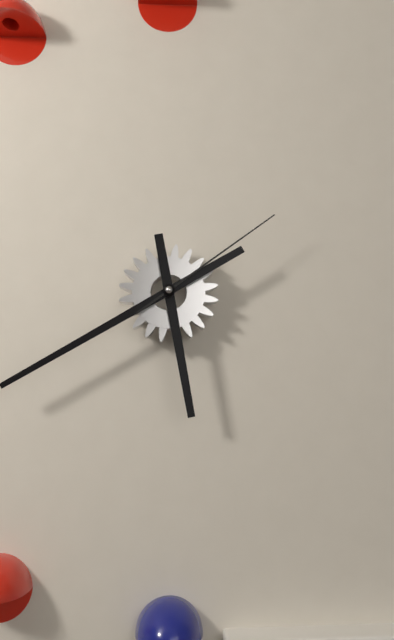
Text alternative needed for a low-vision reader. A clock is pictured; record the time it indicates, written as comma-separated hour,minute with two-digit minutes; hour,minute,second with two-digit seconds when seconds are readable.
5,40,09
